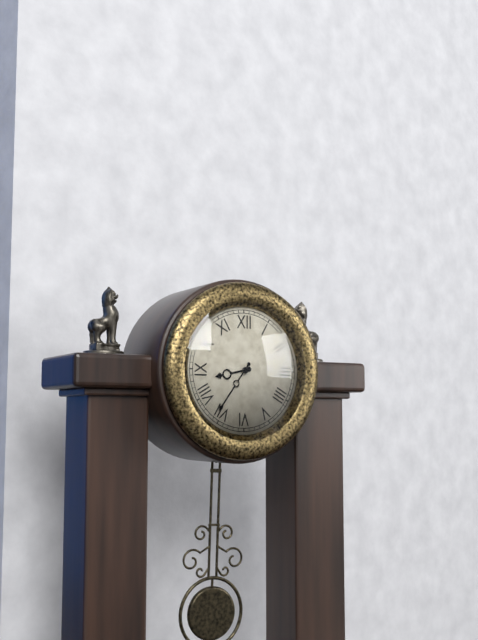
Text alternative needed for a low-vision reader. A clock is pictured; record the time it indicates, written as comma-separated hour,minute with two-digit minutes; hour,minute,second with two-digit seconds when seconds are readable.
8,36
